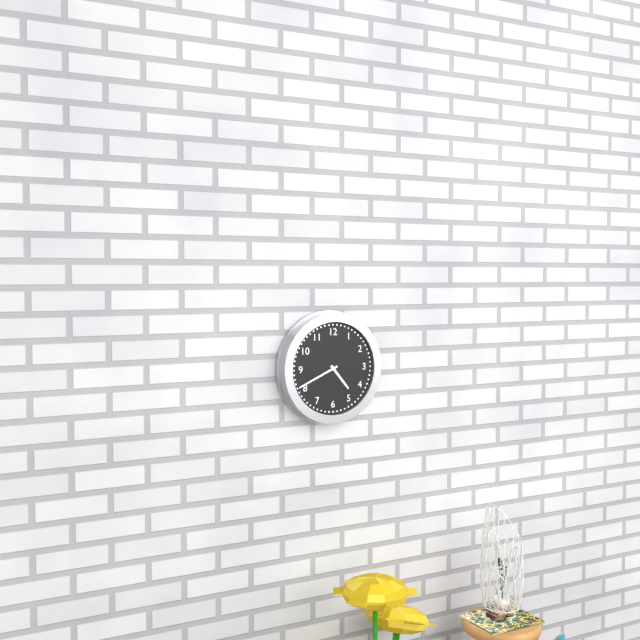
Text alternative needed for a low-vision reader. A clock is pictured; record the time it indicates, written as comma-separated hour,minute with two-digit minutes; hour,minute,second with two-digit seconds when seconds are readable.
4,41
